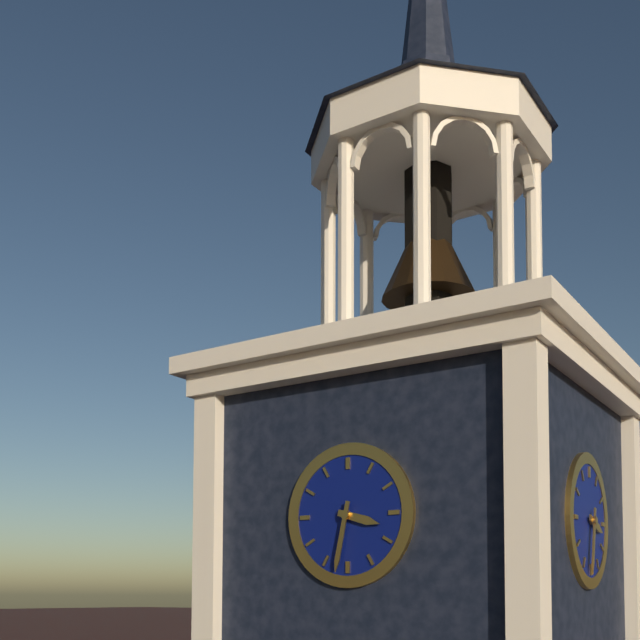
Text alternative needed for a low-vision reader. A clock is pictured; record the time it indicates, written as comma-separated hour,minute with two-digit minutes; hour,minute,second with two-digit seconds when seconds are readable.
3,32
